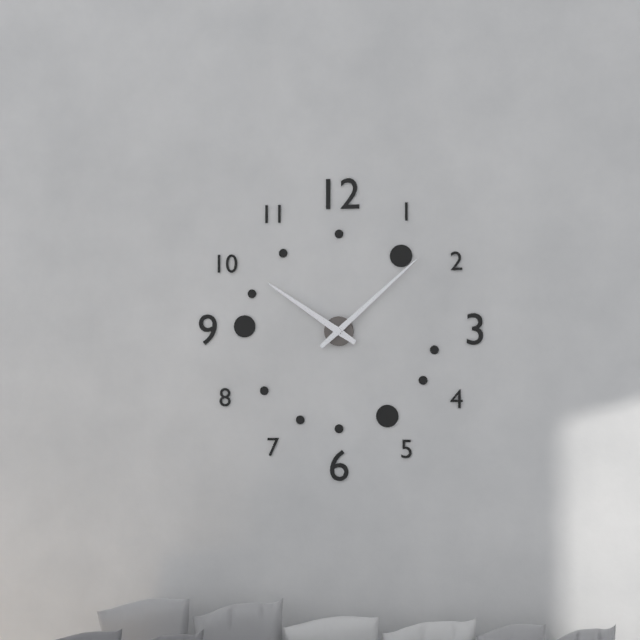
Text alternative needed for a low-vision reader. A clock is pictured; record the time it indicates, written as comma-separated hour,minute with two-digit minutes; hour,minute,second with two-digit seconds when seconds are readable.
10,08
